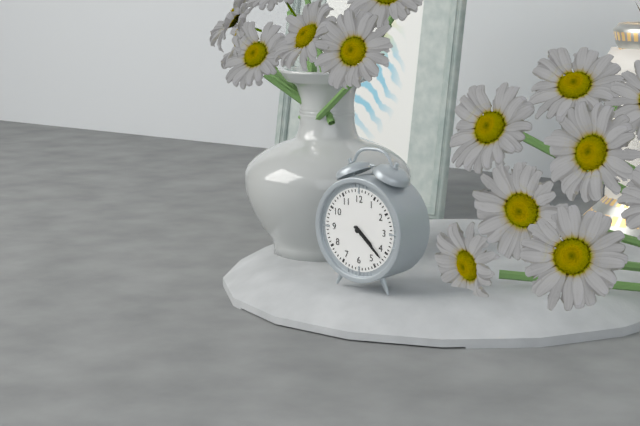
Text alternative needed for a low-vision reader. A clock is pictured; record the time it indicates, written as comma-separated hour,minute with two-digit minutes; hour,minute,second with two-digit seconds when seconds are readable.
4,22
